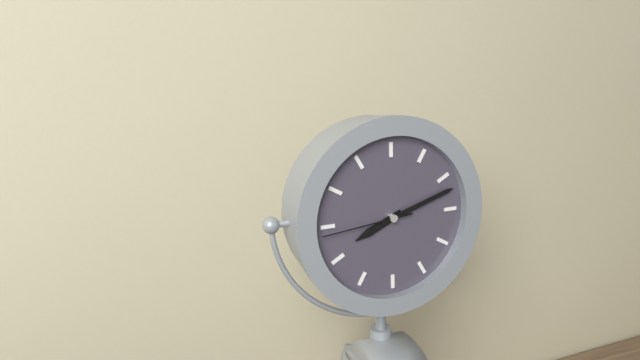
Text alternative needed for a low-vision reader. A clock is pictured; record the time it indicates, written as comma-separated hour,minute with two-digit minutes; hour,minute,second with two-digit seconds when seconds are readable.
8,12,44
